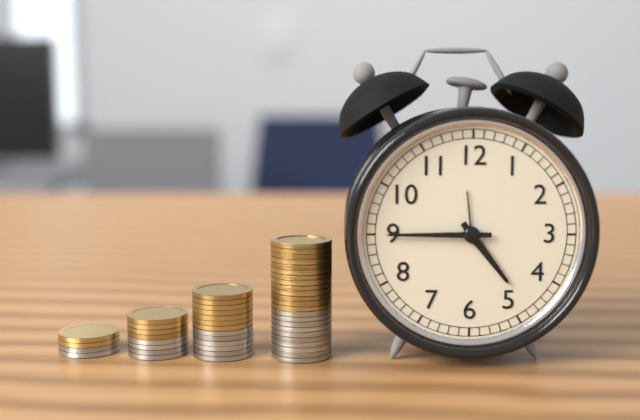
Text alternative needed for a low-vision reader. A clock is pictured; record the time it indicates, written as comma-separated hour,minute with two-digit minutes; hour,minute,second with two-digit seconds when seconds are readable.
4,45
